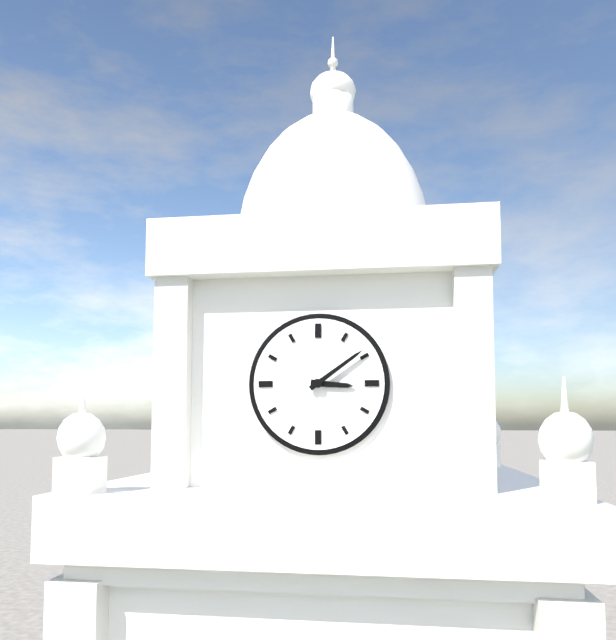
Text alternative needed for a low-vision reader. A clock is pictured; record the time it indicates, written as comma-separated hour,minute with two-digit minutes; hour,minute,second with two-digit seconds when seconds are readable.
3,09
